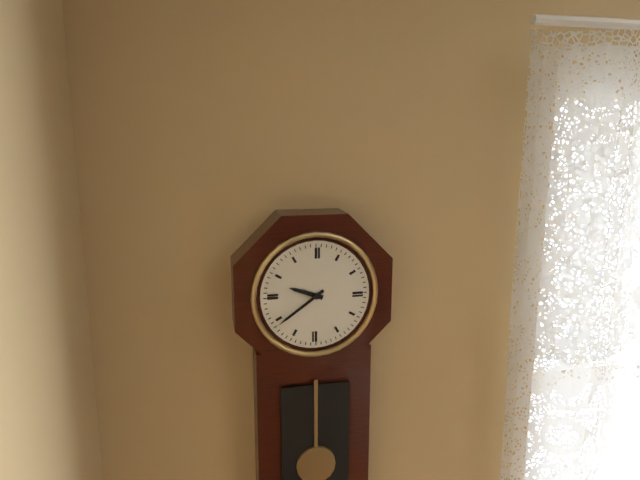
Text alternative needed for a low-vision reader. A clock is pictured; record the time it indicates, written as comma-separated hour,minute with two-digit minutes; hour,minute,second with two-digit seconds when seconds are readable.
9,39
